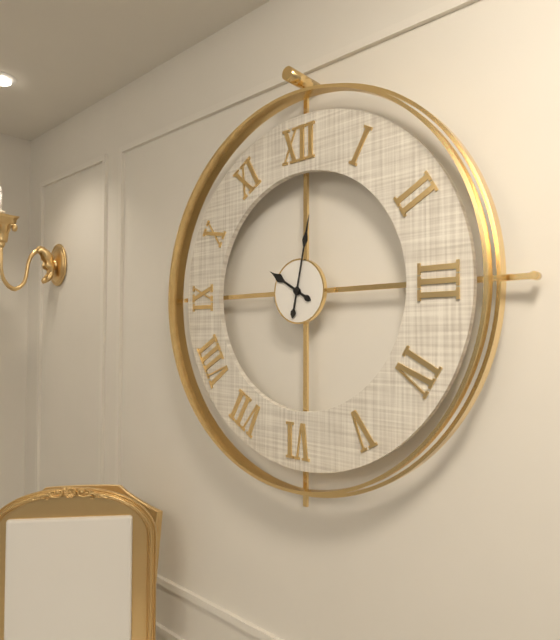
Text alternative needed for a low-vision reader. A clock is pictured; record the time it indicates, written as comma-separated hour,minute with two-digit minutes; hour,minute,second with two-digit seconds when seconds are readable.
10,02
